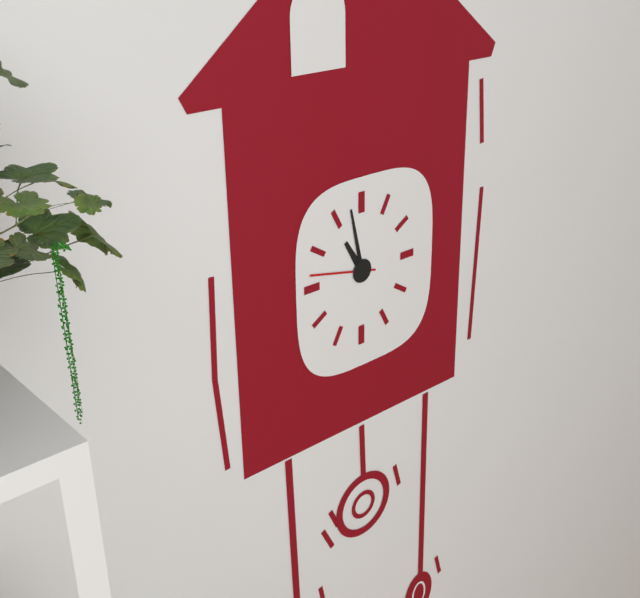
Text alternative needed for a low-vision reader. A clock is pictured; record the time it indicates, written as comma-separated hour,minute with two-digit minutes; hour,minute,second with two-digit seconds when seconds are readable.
10,58,47
